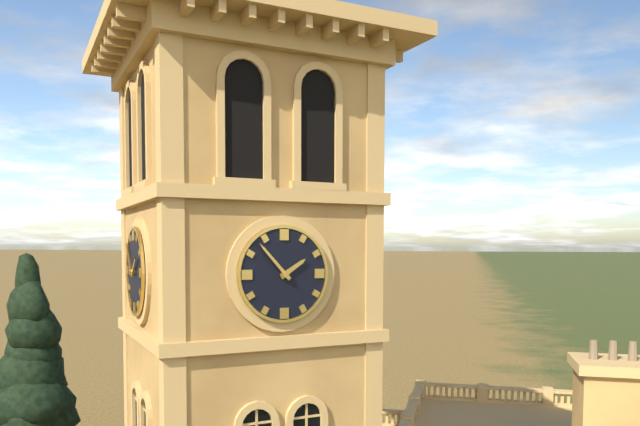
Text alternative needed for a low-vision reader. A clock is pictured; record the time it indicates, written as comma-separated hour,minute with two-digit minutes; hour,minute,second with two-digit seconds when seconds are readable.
1,53
